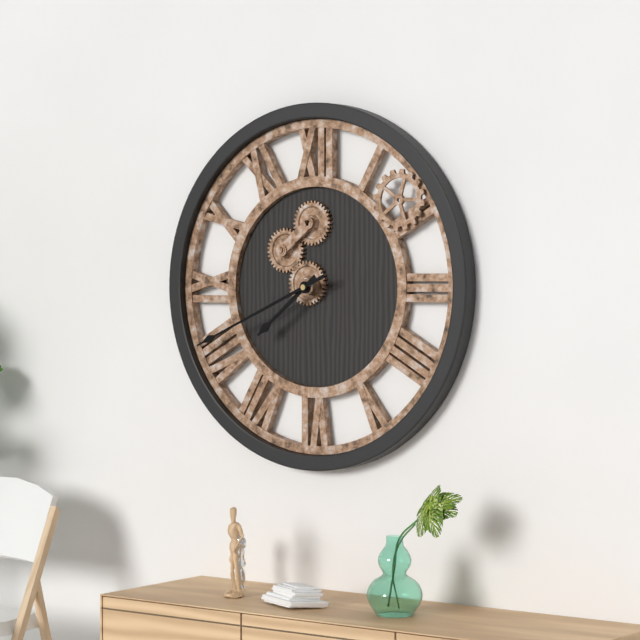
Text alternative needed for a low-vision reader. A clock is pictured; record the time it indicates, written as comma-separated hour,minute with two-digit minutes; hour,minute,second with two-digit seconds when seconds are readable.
7,41
